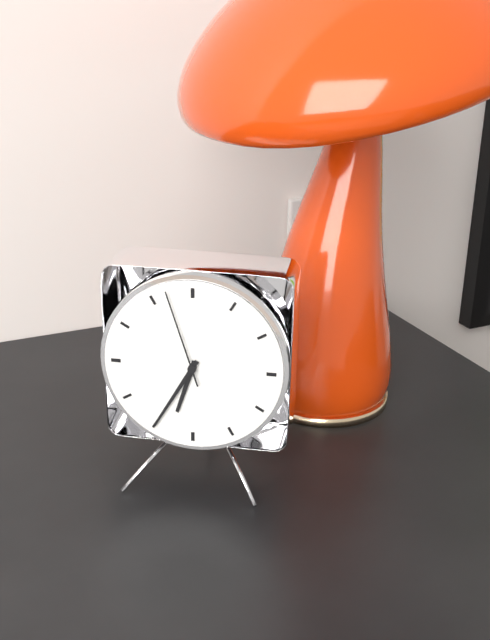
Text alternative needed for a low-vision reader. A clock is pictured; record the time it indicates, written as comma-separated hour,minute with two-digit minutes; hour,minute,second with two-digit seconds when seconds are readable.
6,35,57
